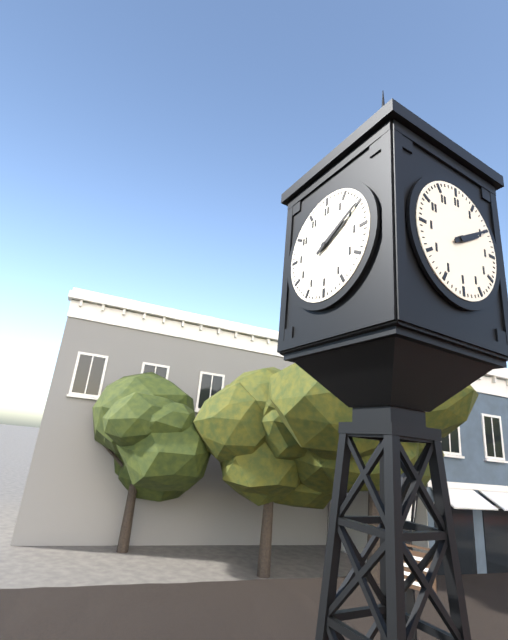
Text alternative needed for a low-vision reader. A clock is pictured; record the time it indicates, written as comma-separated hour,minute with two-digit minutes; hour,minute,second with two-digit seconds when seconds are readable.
2,10
